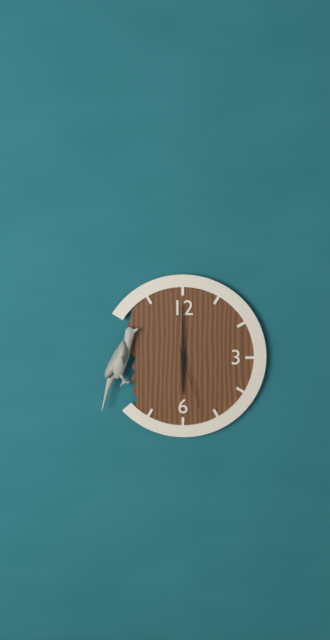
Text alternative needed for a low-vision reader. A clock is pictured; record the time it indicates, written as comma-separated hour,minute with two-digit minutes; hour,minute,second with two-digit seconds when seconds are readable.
6,00,27
